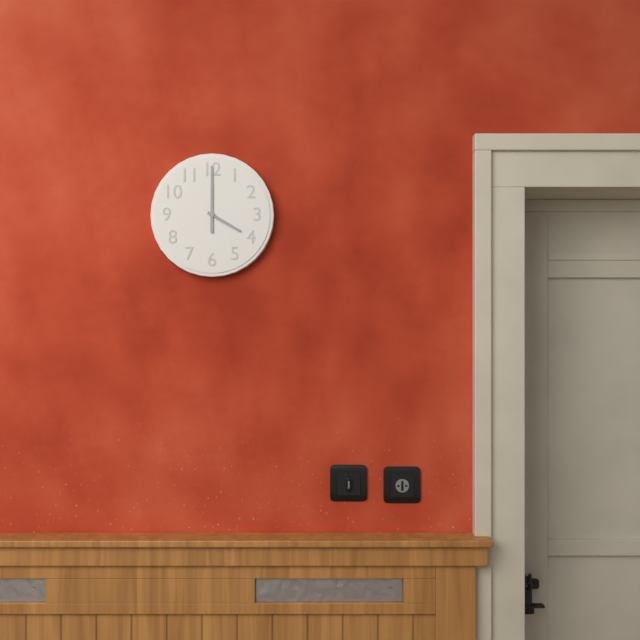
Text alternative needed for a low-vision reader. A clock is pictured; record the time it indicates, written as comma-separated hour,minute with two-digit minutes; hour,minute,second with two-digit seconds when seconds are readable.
4,00
